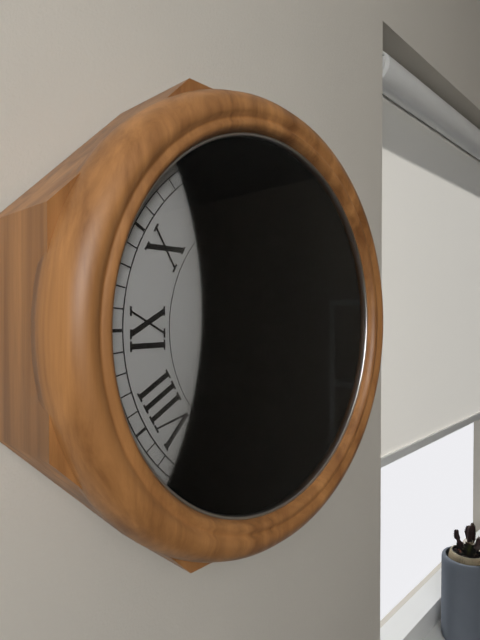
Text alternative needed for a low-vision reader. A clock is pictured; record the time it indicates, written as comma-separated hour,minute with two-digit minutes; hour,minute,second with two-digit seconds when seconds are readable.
6,55
